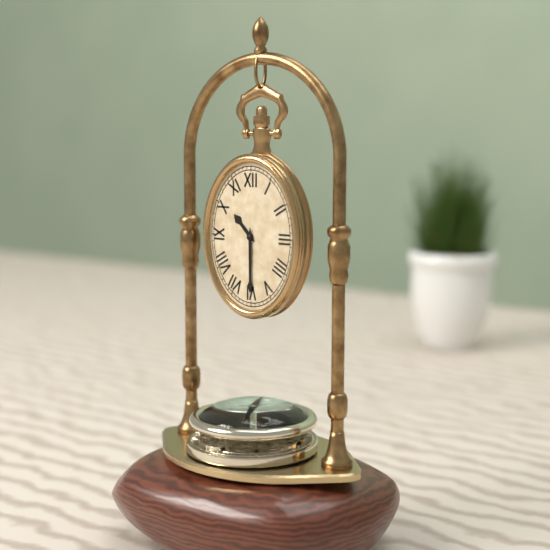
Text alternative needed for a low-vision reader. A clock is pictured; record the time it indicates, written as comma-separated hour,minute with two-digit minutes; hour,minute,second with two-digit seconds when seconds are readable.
10,30
